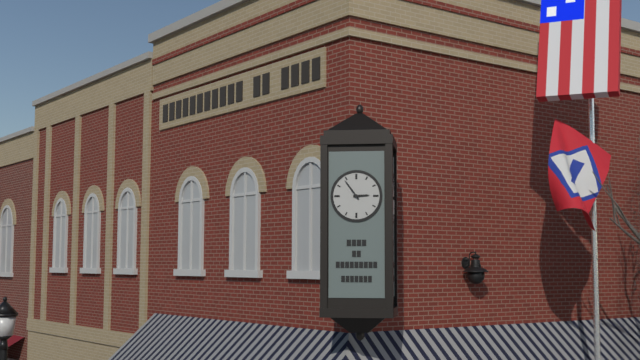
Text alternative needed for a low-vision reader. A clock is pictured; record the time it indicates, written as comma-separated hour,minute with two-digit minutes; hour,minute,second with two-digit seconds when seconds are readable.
2,54
